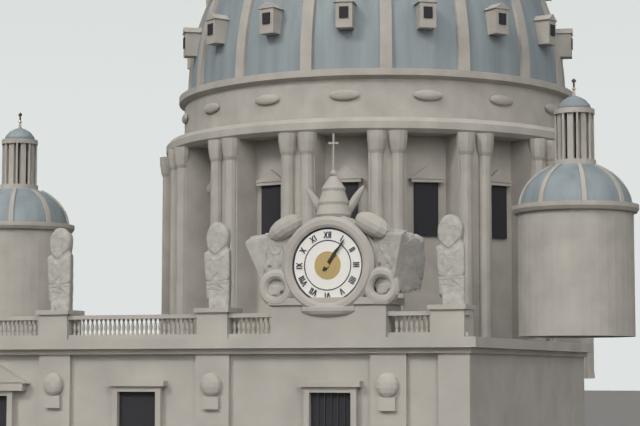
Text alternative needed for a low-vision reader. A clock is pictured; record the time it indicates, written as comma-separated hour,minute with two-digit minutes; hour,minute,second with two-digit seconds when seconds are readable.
1,06
